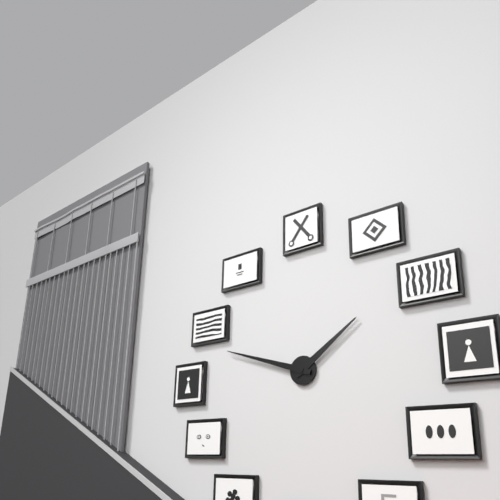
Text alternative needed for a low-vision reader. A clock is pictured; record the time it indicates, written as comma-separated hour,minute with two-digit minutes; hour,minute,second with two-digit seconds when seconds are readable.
1,48
